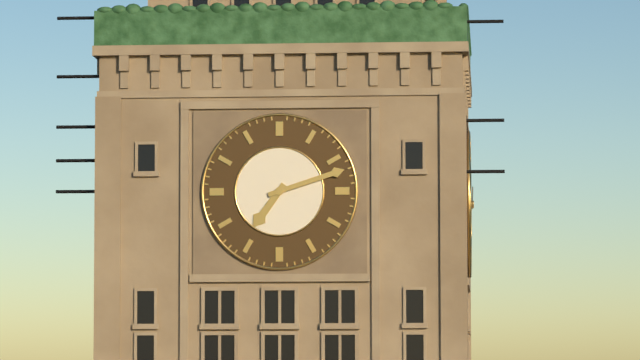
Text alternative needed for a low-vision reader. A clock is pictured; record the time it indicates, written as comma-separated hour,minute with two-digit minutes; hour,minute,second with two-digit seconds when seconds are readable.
7,12
